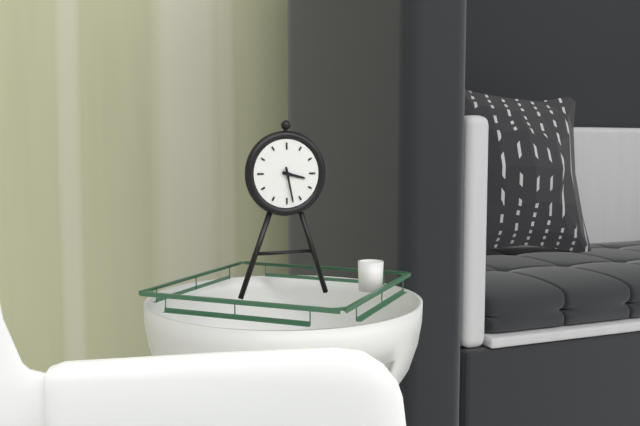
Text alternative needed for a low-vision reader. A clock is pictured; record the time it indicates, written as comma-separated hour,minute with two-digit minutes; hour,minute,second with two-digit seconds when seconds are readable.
3,28
